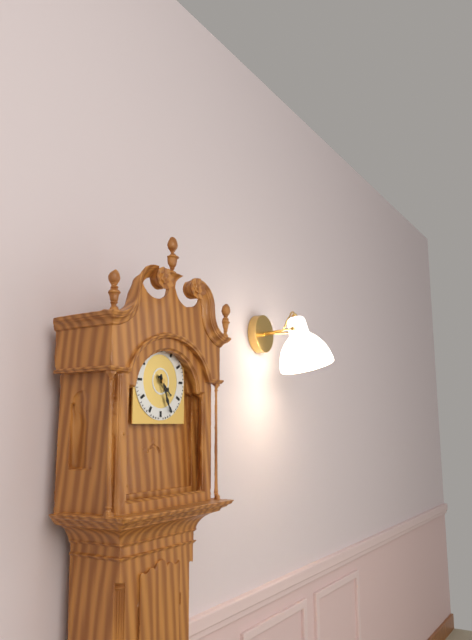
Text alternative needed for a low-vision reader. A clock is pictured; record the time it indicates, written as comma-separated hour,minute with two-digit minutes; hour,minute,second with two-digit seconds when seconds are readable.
4,26
